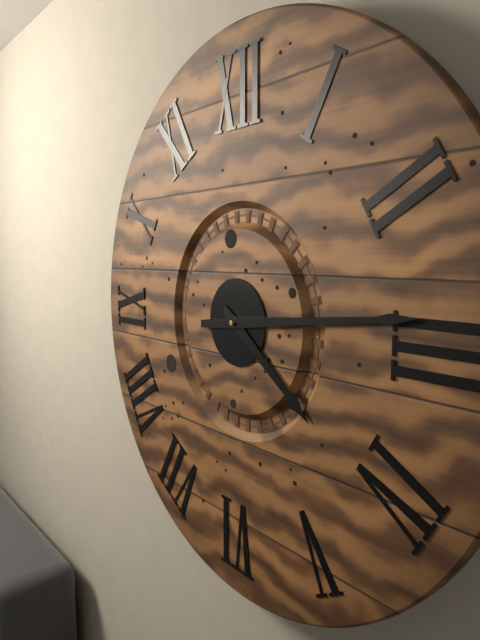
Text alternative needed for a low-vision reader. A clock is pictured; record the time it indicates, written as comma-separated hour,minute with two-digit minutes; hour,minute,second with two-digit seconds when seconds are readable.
4,14
